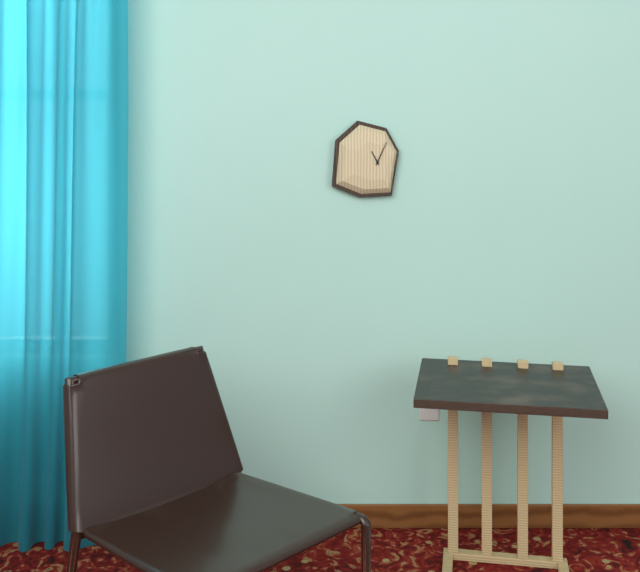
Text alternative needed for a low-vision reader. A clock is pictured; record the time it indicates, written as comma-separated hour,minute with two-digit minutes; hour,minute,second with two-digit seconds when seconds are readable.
11,04
